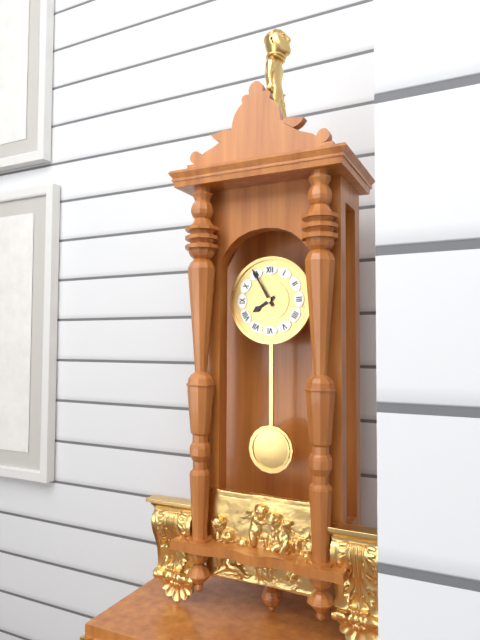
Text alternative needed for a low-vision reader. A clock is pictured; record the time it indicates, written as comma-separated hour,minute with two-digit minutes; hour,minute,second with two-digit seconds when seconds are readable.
7,55
